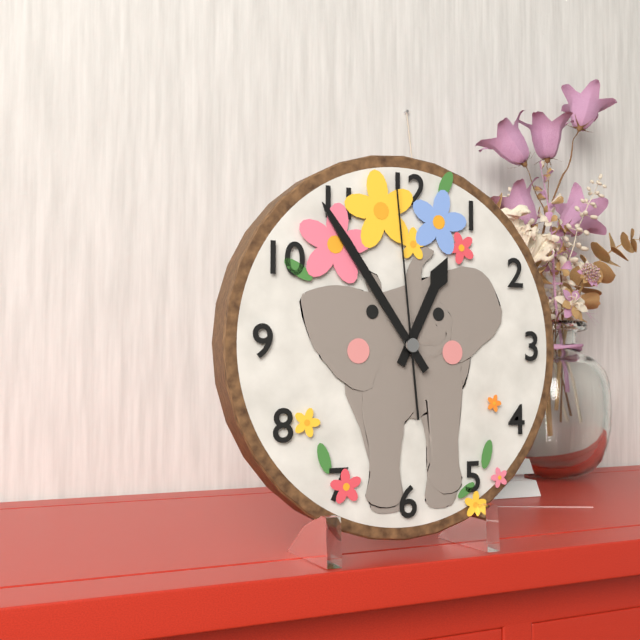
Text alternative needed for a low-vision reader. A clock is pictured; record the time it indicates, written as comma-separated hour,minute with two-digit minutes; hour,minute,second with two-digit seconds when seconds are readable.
12,54,59
